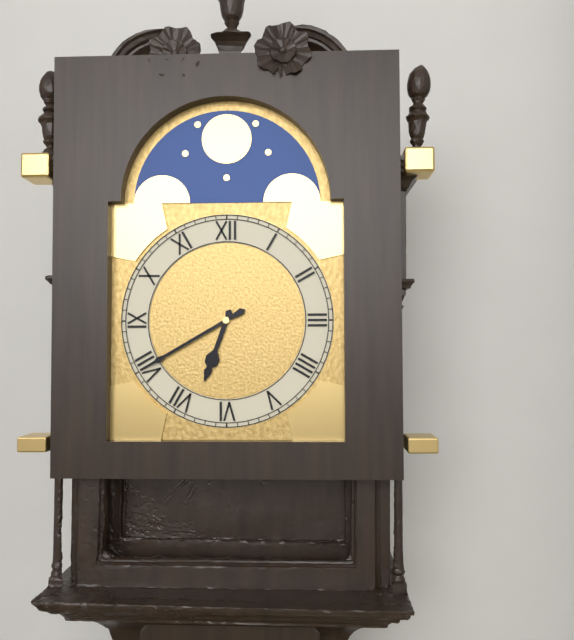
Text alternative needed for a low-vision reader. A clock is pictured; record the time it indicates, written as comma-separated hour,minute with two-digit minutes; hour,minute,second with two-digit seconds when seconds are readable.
6,40
